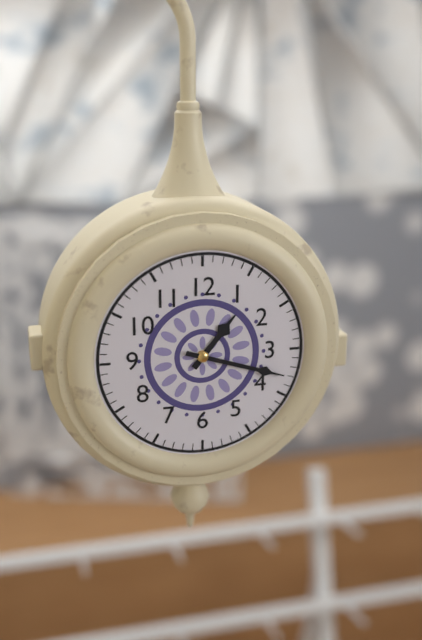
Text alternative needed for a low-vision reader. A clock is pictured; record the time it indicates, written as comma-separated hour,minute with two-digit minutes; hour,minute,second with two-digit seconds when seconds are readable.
1,18
